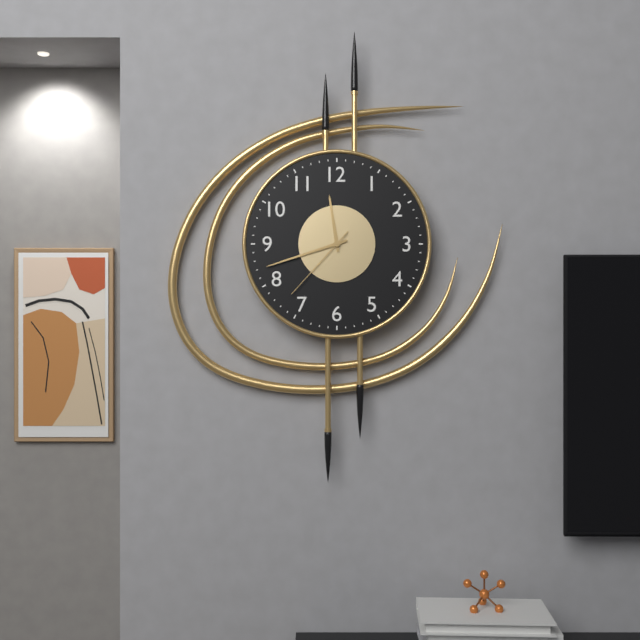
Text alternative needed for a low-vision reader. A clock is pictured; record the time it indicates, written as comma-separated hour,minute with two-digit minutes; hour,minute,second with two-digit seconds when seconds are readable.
11,42,37
